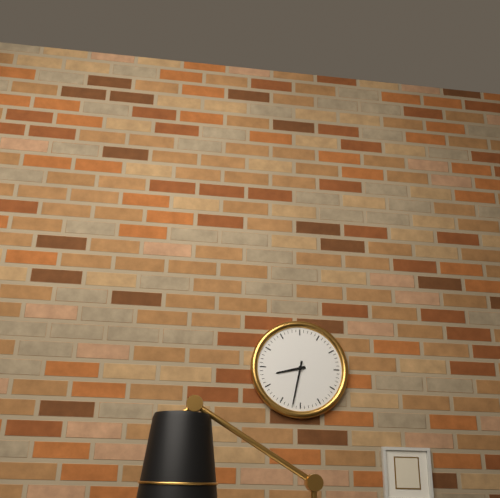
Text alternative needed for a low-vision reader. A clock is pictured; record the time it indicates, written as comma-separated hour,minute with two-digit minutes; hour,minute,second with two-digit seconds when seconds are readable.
8,32
